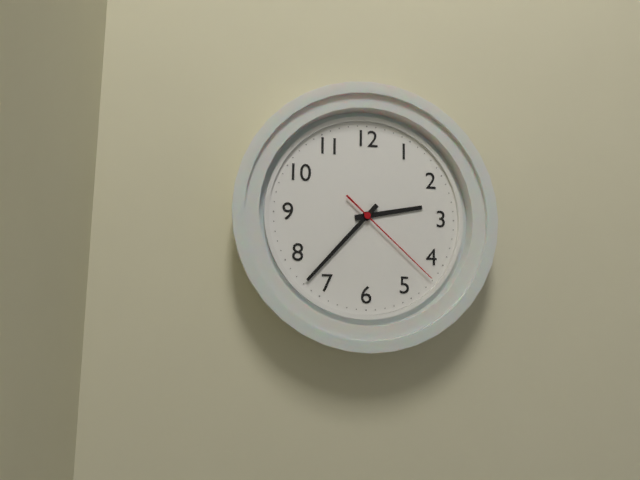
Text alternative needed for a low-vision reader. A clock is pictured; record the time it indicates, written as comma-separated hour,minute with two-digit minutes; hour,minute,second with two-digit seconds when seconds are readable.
2,37,22
